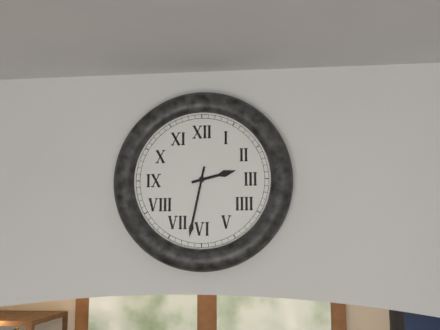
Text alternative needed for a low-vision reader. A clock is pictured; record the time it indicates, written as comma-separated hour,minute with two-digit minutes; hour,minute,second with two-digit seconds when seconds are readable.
2,32
